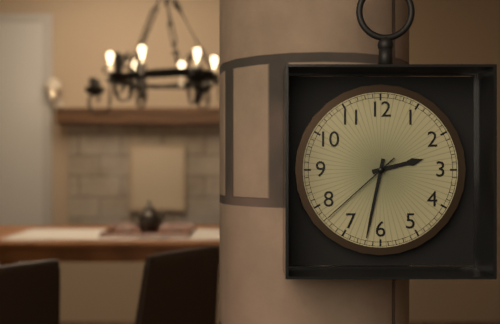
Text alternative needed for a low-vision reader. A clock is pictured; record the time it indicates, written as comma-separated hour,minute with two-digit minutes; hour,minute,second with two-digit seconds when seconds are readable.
2,32,38
